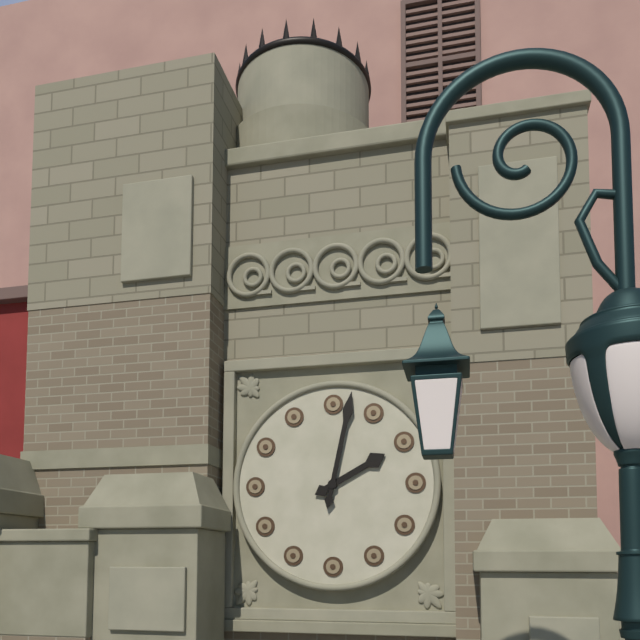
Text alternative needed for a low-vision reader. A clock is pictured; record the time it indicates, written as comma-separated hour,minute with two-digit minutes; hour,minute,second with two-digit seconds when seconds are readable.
2,02
